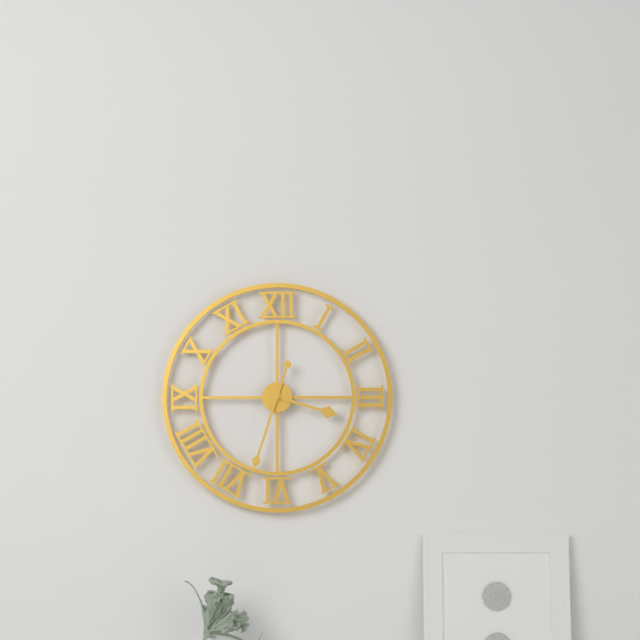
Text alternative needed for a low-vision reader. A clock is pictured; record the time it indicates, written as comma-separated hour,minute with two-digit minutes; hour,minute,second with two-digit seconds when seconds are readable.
3,33
